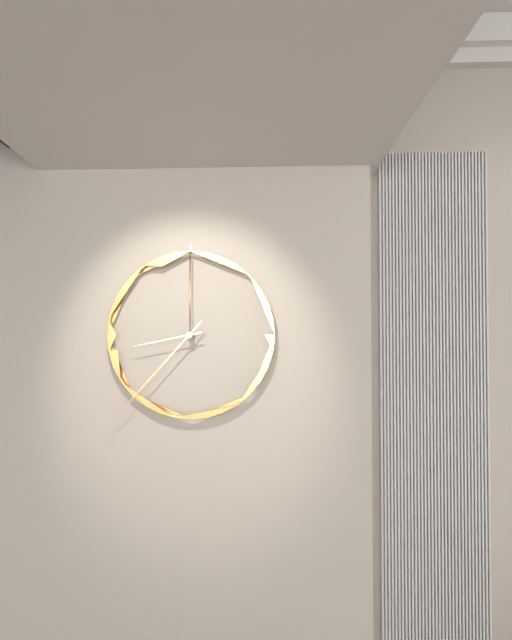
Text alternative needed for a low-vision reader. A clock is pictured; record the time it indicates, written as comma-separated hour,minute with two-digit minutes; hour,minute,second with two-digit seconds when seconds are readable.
8,37
